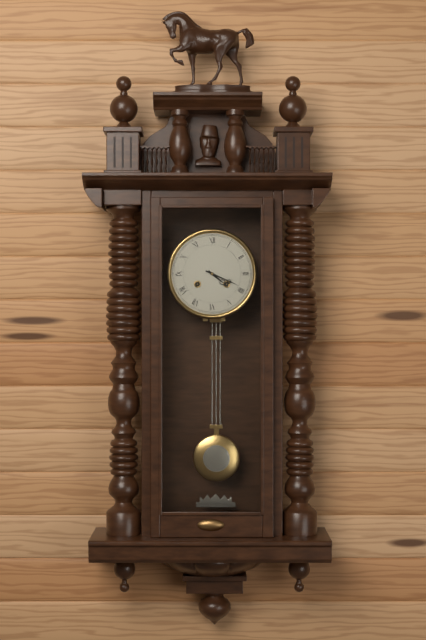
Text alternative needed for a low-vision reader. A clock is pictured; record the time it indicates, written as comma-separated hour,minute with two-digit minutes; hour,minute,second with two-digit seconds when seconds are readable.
4,19
